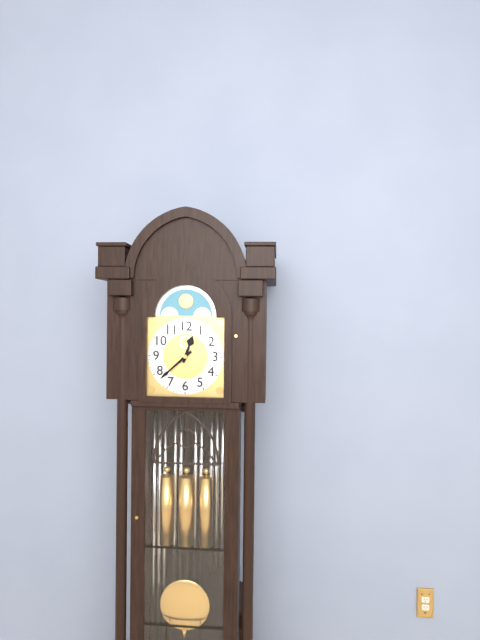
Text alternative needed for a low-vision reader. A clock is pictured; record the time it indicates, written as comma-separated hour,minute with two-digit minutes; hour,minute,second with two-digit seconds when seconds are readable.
12,38
